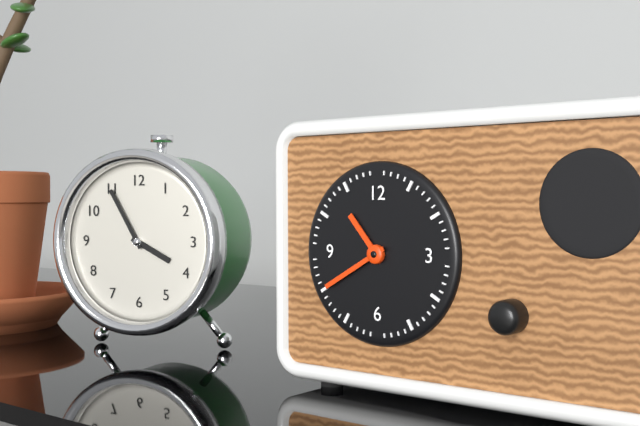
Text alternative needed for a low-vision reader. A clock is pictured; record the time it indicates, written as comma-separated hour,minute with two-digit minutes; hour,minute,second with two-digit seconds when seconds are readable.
10,40
